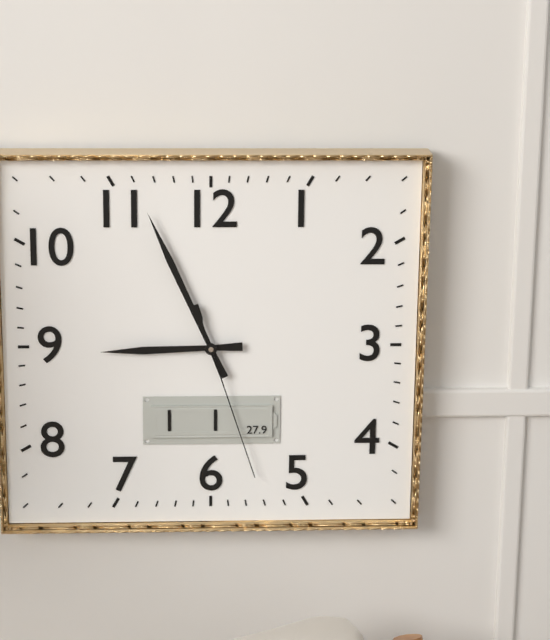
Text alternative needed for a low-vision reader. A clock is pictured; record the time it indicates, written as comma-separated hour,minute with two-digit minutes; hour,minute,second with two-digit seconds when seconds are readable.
8,56,27
